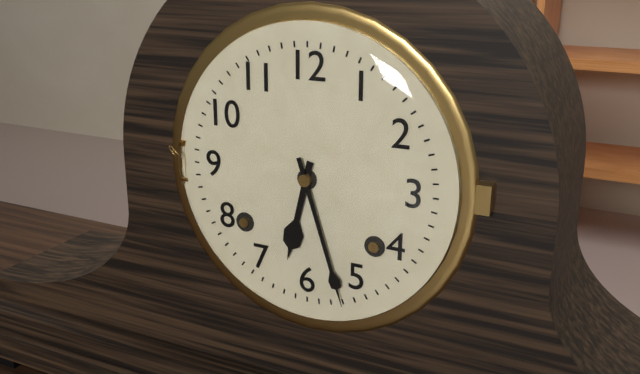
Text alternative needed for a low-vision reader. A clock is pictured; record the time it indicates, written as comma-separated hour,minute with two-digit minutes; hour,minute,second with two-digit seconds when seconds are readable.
6,27
